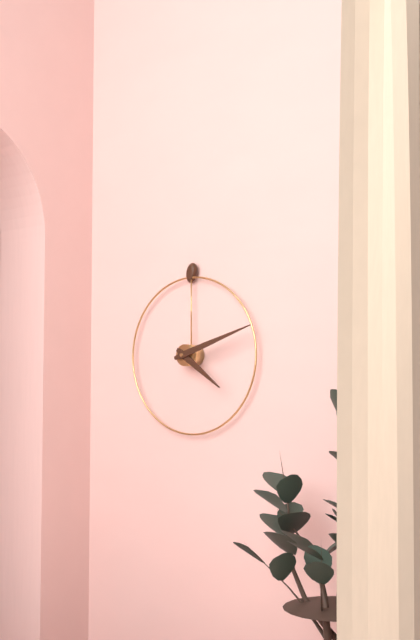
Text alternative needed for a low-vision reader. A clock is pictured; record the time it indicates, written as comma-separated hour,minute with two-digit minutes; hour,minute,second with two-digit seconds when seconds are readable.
4,12
